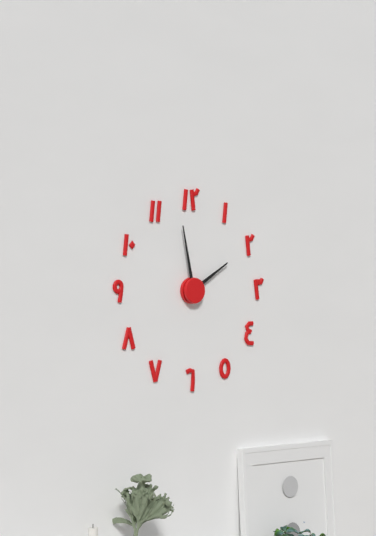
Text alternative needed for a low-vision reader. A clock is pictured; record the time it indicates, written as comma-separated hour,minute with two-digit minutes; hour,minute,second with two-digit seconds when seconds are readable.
1,58
